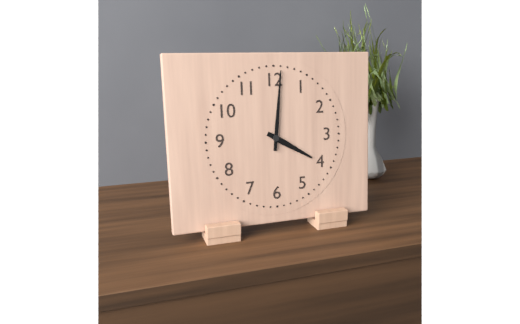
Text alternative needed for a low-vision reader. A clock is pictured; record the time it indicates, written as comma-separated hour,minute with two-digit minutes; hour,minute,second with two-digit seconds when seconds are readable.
4,01
